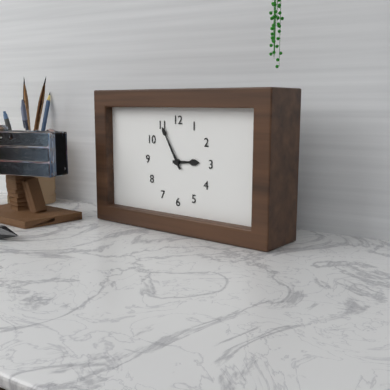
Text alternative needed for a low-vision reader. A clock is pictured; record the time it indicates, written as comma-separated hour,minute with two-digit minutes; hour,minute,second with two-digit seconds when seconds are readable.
2,55
